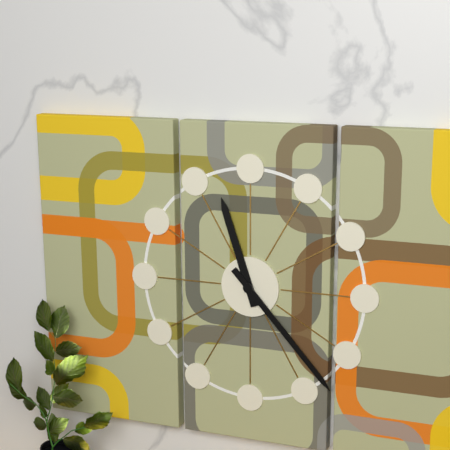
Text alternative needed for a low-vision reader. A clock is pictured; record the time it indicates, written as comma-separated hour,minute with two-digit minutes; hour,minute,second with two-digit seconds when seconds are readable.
11,23
